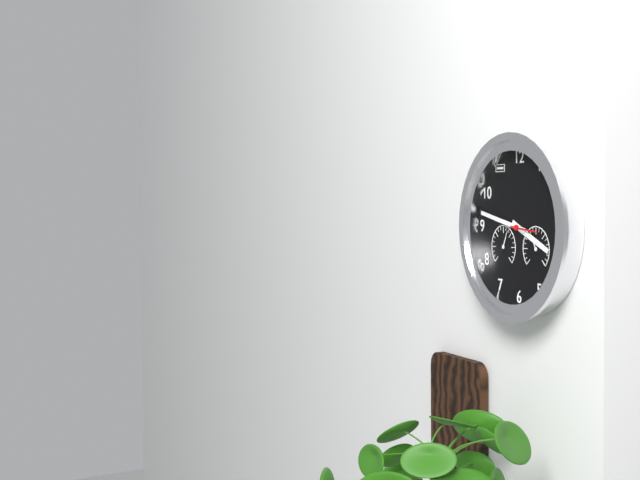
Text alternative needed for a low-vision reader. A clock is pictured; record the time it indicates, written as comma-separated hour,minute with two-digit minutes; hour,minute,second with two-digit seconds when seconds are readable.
3,47
